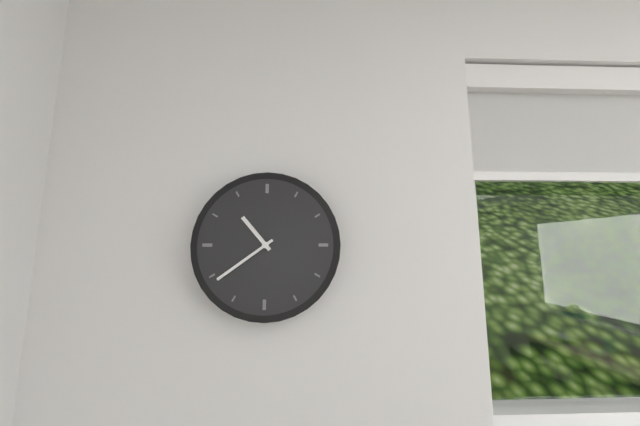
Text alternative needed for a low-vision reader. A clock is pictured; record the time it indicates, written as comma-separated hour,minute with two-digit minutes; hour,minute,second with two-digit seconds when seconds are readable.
10,39
